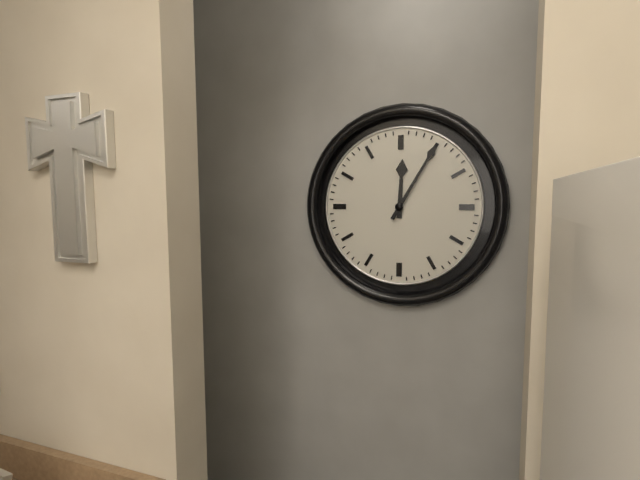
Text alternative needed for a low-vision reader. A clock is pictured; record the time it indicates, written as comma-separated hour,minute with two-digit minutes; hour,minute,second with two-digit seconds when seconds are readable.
12,05
